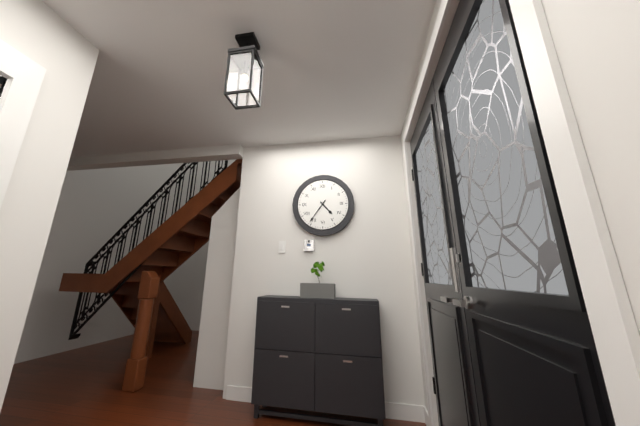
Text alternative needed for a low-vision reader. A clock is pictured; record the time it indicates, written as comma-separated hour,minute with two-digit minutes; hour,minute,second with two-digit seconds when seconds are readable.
4,36
